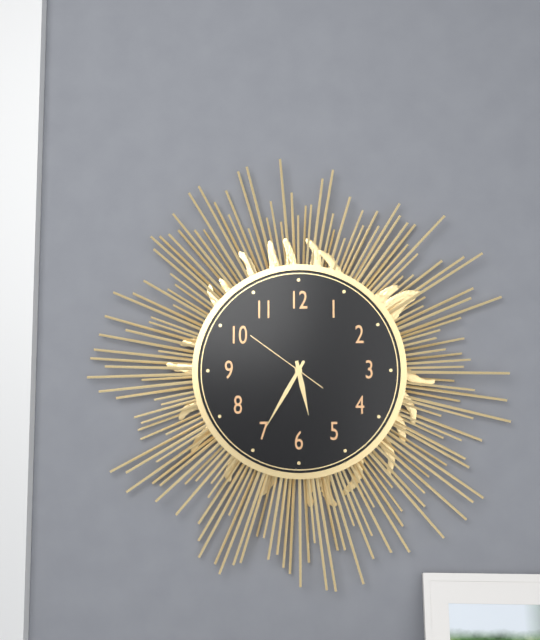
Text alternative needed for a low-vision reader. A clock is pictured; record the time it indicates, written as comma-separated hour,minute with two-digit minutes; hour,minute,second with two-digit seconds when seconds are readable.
5,35,51
